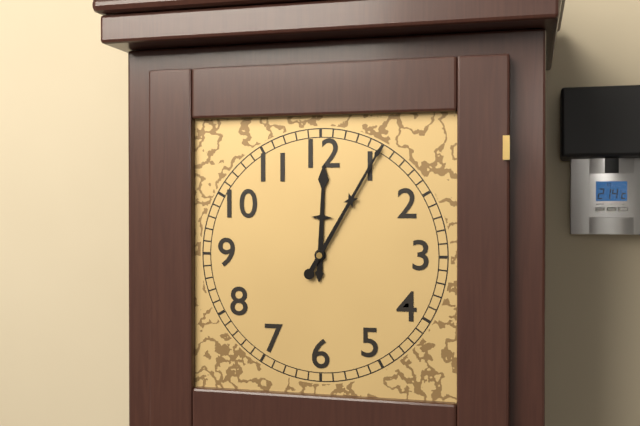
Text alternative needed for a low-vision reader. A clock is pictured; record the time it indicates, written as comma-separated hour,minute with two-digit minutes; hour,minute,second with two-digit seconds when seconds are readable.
12,05
